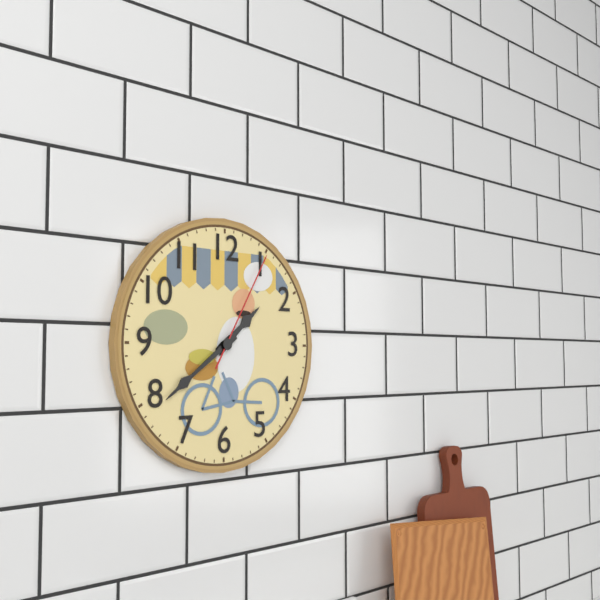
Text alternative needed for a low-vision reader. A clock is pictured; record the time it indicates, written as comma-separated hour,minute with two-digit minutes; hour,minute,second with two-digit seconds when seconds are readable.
1,39,05
